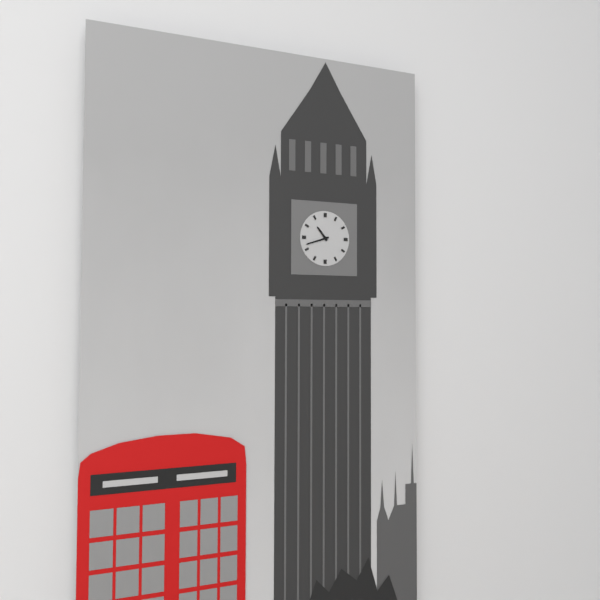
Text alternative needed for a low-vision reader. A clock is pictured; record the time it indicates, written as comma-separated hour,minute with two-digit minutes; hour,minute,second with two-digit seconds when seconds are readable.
10,42
